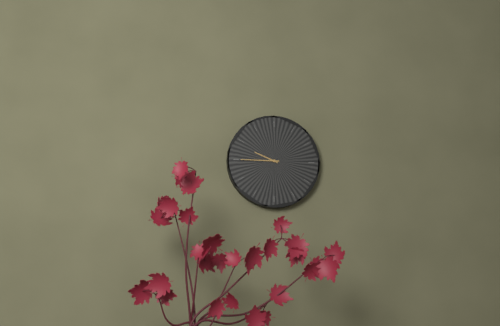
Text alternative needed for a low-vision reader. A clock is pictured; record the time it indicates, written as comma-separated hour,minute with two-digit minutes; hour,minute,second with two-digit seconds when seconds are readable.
9,45
